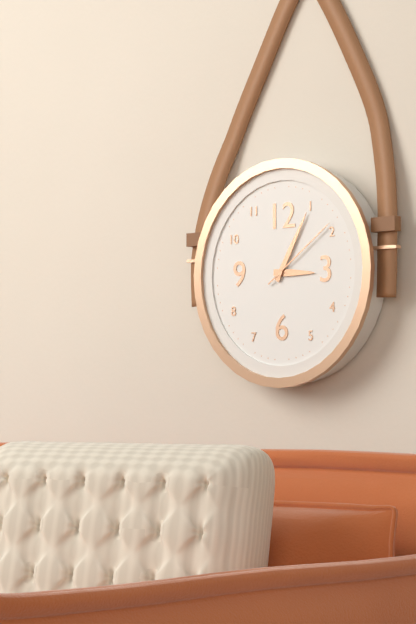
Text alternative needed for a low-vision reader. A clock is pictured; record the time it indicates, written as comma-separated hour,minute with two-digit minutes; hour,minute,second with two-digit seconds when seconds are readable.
3,05,09
